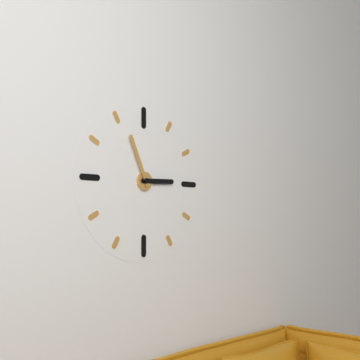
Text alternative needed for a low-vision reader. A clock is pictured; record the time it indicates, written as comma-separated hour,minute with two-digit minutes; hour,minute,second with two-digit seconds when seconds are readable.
2,56
